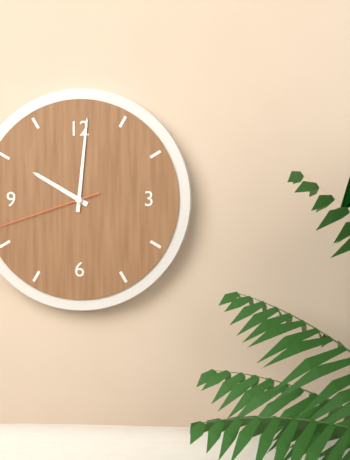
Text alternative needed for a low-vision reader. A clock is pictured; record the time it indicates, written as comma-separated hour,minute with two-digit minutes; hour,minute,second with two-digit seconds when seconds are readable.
10,01
